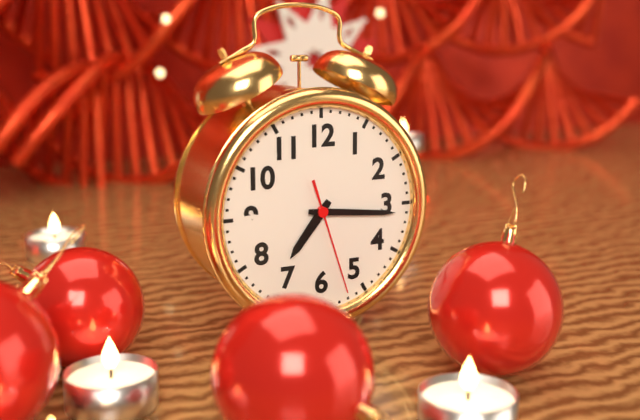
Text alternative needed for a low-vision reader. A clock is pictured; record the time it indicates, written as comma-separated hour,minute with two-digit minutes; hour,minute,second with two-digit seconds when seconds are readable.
7,16,27
